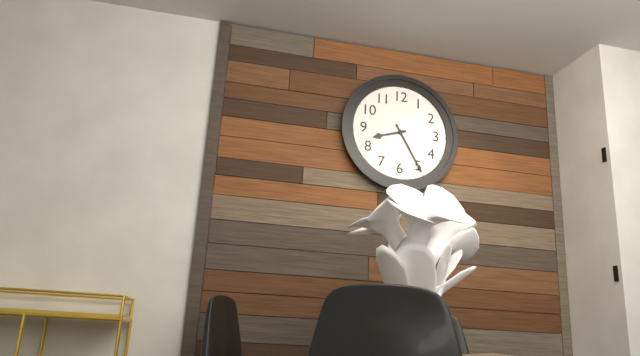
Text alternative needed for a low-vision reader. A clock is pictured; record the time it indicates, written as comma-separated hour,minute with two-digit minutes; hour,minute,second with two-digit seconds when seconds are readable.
8,25
